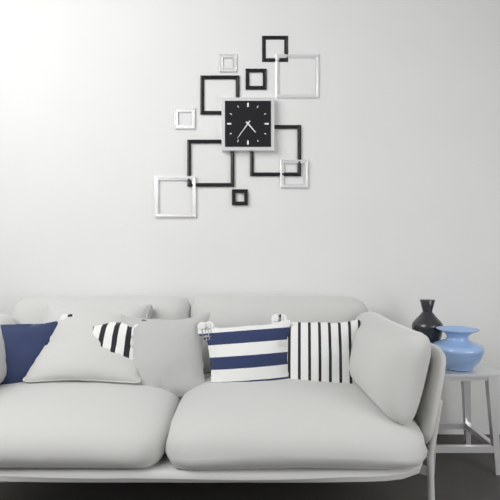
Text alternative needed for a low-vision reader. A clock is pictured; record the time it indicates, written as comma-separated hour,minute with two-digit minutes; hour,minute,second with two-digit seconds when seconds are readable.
4,36
